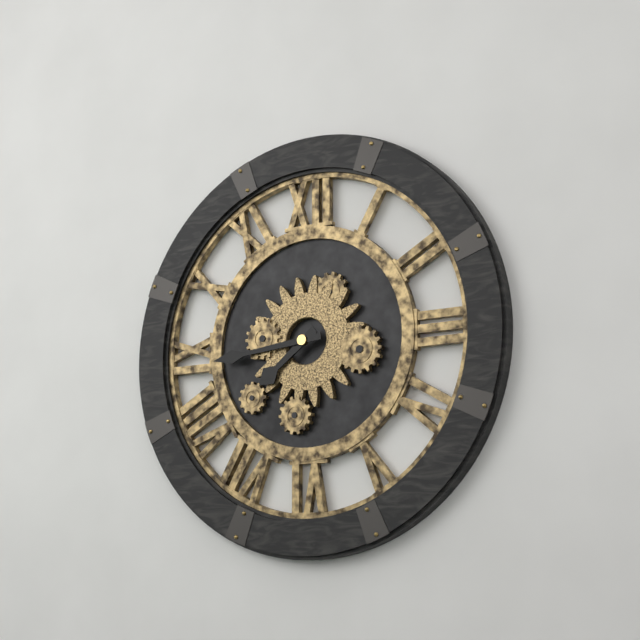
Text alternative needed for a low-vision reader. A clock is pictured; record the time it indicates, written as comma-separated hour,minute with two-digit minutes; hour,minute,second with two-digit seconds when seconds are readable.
7,44
